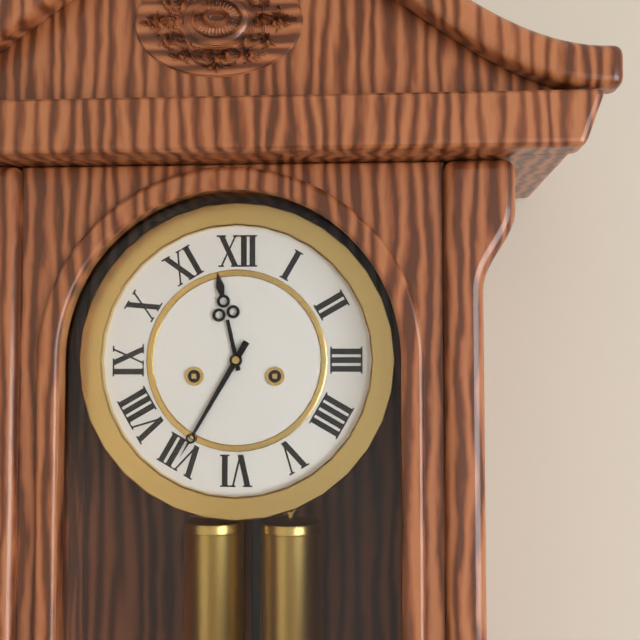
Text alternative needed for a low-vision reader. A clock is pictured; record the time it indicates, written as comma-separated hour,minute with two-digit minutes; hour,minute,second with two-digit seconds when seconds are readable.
11,35
